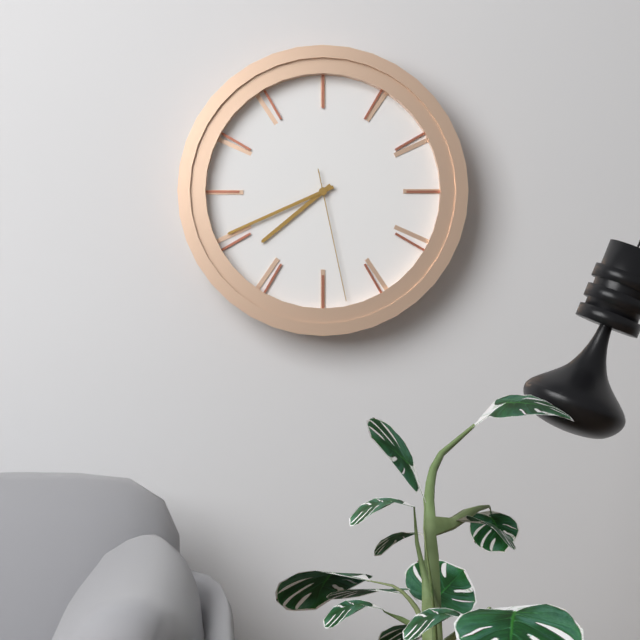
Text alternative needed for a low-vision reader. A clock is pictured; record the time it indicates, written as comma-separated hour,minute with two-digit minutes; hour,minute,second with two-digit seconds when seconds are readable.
7,41,28
